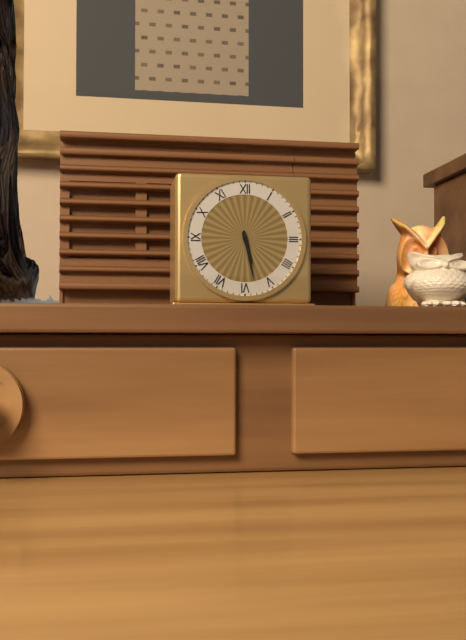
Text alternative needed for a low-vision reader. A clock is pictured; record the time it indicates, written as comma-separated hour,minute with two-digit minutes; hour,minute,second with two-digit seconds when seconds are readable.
5,28
